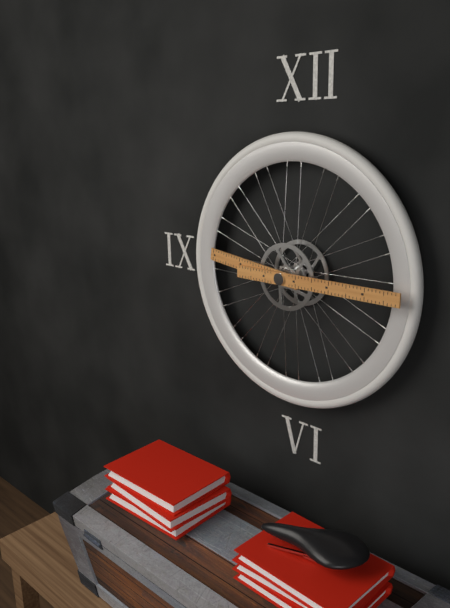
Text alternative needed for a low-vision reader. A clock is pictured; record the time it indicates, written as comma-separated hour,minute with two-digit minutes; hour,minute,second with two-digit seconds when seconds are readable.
9,15
